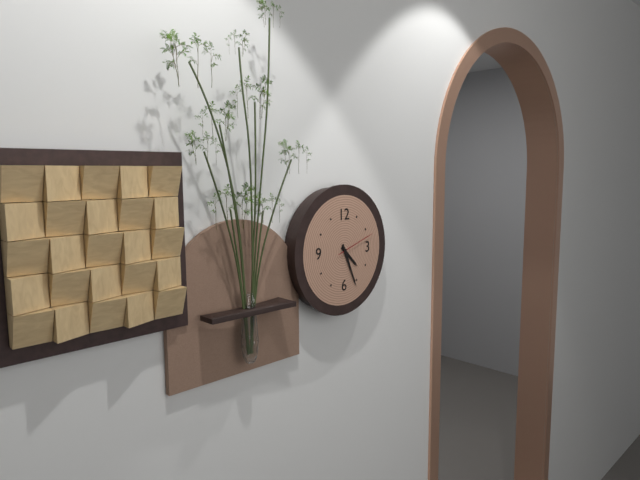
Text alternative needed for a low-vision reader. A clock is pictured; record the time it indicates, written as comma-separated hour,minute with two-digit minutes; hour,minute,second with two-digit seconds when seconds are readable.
4,26
